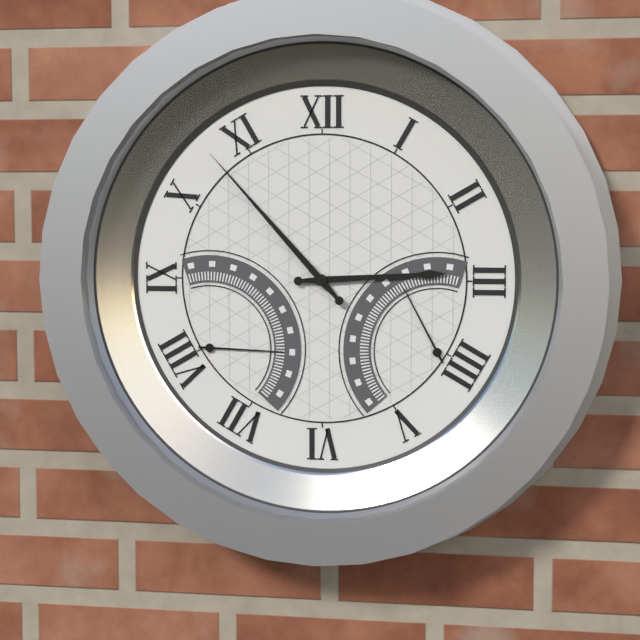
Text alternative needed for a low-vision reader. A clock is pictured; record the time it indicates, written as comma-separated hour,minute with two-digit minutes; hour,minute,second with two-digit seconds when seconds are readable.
2,53
